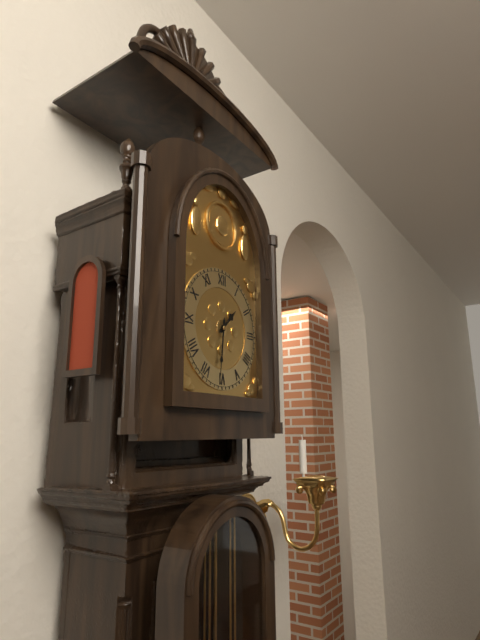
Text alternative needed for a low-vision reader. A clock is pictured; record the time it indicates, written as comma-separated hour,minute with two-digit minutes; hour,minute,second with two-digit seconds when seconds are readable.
1,31
